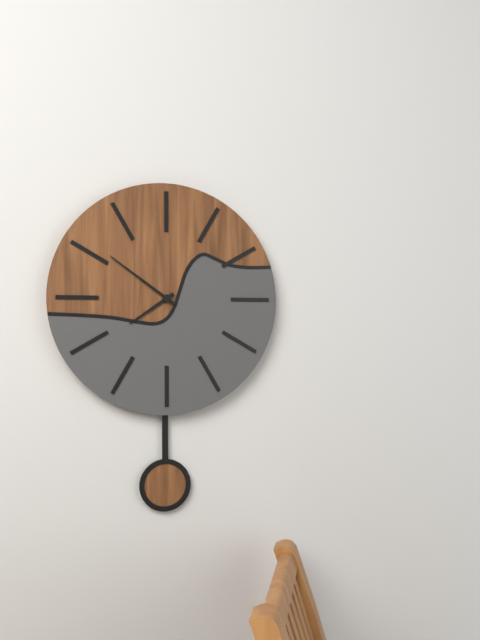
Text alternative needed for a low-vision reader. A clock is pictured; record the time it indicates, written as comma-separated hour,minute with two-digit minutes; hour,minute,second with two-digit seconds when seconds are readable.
7,51
